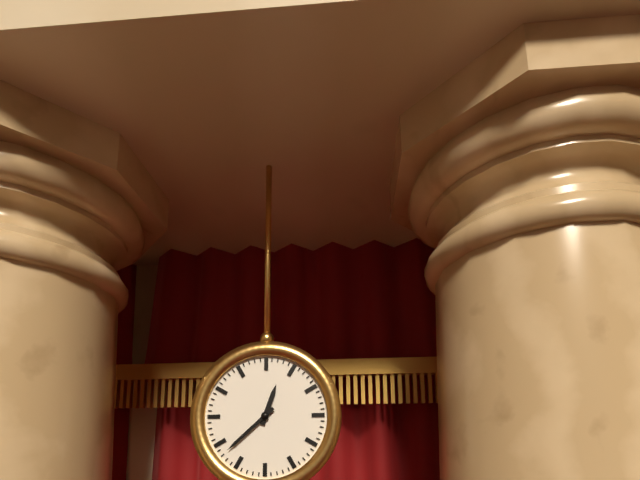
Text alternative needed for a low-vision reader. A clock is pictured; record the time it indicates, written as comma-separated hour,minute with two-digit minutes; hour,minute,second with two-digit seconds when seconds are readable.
12,38
